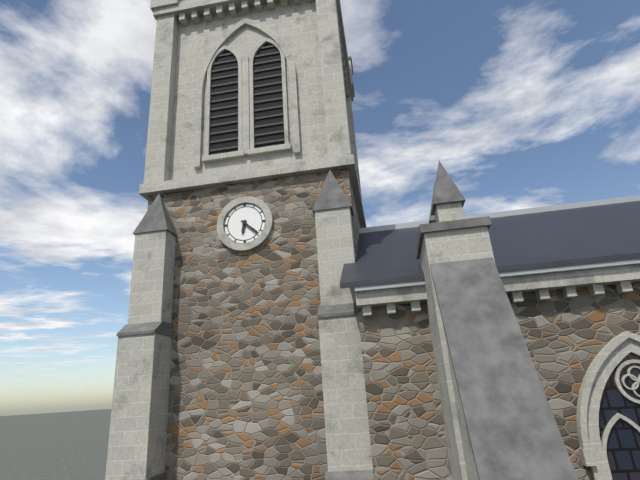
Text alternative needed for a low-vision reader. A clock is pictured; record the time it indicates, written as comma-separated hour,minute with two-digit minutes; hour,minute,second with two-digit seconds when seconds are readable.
6,22
